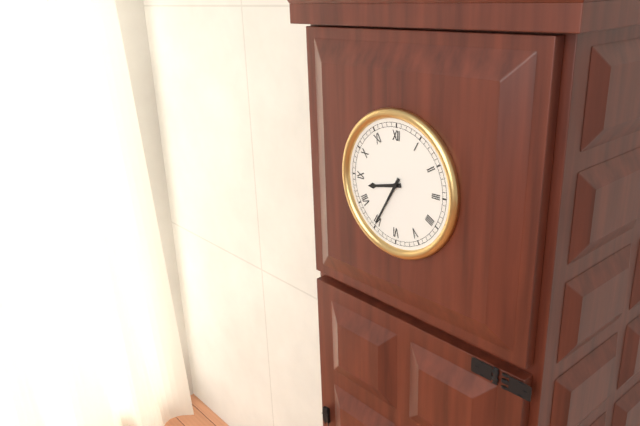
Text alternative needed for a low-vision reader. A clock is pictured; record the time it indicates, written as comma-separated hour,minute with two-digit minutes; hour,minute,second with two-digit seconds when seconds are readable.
8,35
